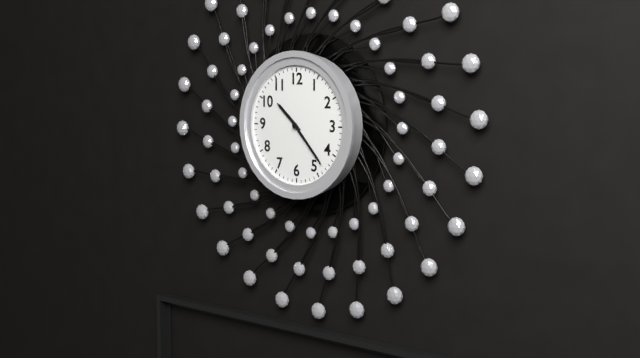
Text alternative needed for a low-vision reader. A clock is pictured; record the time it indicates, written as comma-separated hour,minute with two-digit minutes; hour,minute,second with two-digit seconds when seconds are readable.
10,23
